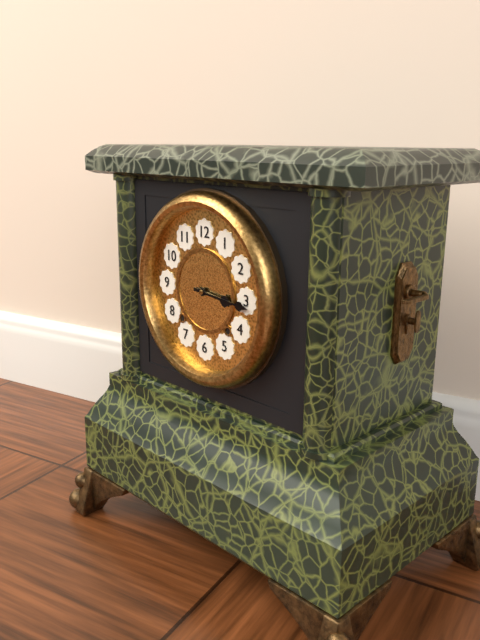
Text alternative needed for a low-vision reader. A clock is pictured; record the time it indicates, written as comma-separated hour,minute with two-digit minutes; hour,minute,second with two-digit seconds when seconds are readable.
3,16
